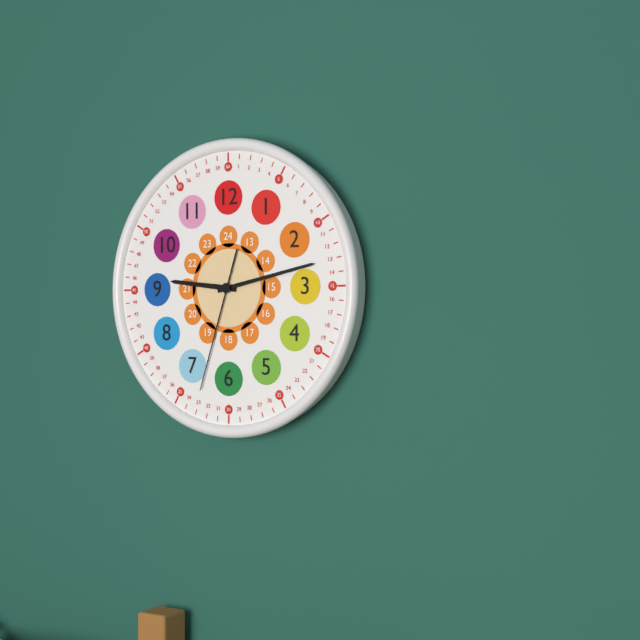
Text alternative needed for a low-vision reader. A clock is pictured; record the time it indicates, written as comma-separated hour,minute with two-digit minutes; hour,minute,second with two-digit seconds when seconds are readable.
9,13,33
